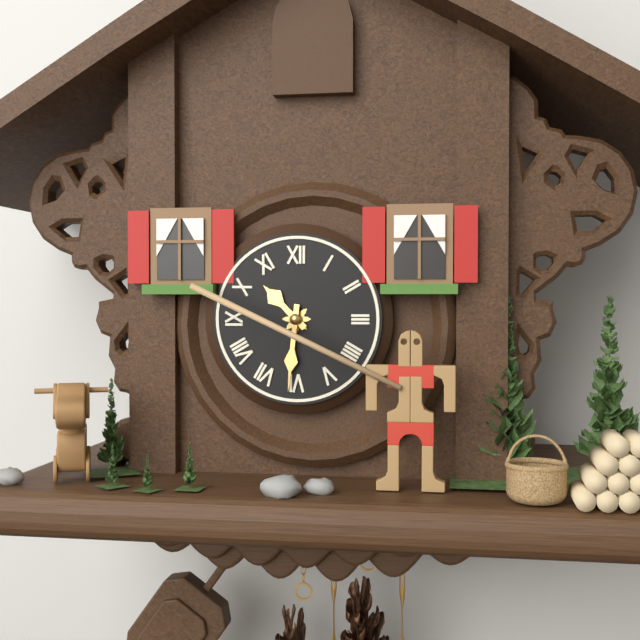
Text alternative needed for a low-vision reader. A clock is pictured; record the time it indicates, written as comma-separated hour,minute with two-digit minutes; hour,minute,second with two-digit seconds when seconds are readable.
10,31
